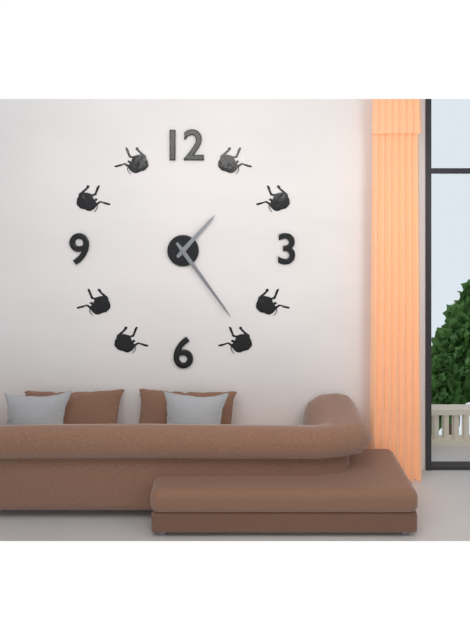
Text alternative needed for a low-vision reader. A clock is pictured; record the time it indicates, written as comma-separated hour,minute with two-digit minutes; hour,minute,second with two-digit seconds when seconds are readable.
1,24
